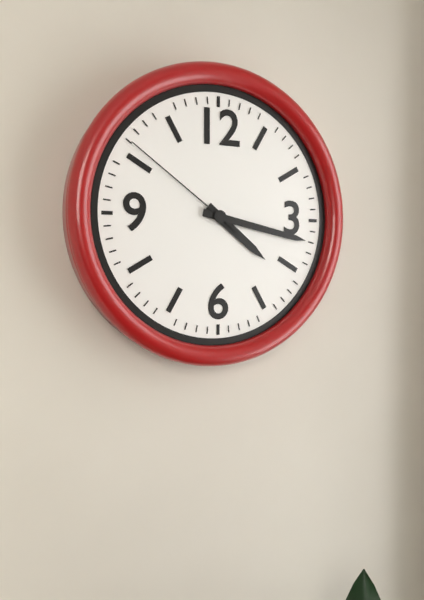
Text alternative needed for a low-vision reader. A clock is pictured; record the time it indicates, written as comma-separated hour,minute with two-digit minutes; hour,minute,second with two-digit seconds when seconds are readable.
4,17,51
